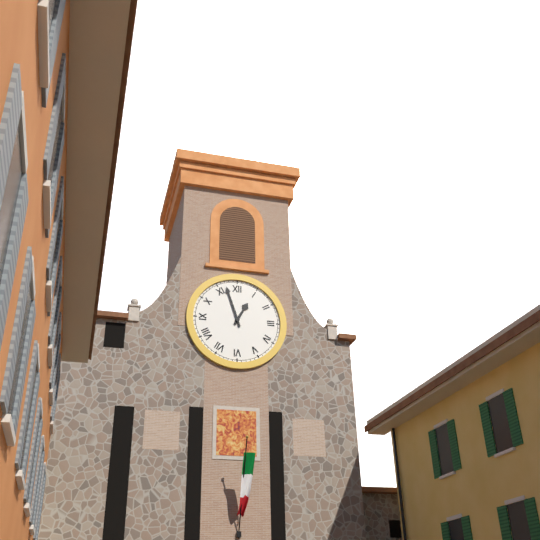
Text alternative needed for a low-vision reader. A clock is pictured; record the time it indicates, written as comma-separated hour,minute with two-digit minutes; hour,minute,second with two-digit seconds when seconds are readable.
12,57
